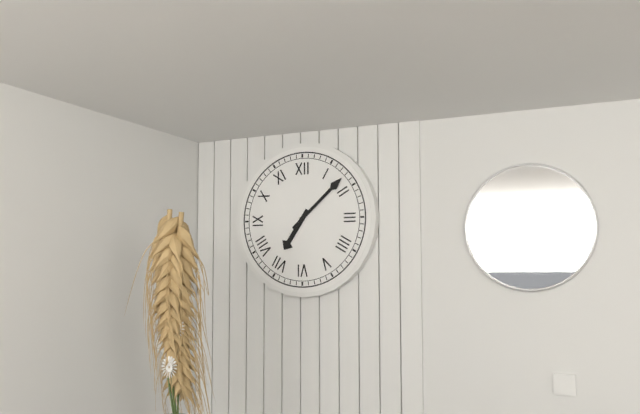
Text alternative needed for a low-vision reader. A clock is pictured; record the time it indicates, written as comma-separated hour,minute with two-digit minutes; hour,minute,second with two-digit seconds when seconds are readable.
7,08
